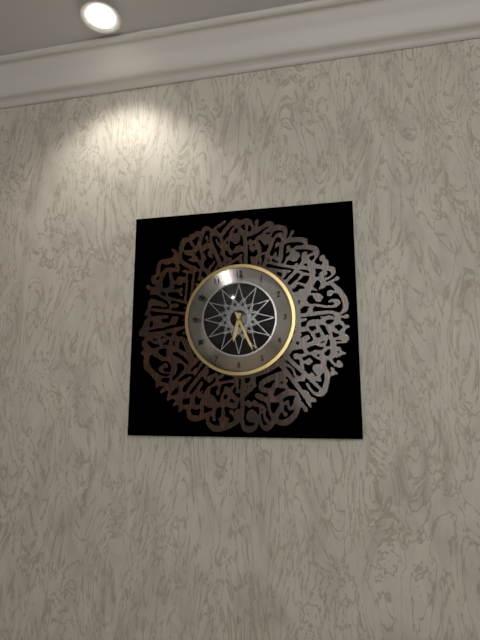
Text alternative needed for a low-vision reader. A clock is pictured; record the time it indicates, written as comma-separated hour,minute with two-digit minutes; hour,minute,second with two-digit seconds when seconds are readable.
6,26
